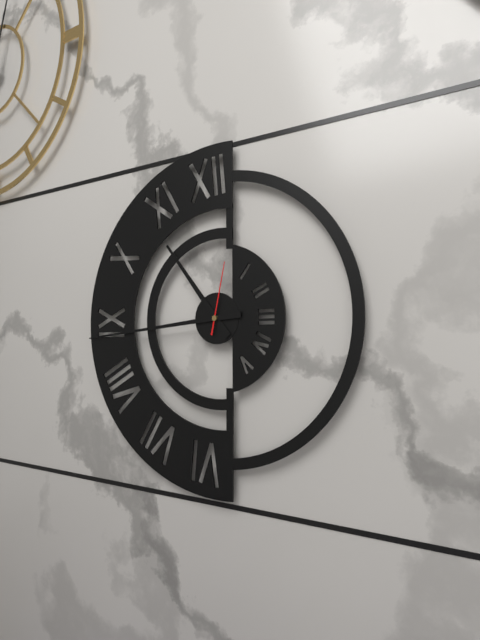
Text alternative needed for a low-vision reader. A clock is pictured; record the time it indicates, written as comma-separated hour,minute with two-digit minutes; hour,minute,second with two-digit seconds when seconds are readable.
10,44,02
